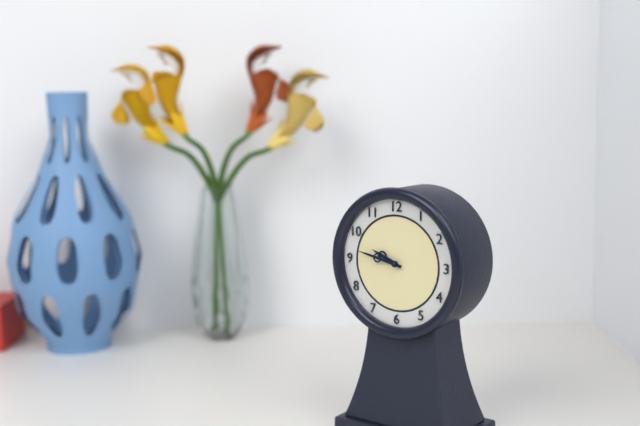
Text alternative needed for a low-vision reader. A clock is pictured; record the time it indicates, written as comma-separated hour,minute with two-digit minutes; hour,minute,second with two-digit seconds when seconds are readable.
9,47
